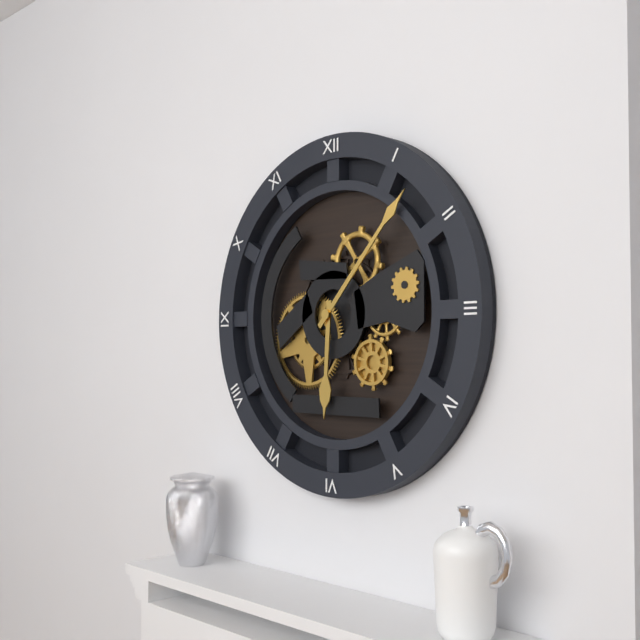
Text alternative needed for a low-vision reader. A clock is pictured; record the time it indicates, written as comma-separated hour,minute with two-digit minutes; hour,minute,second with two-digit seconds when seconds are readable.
6,07
